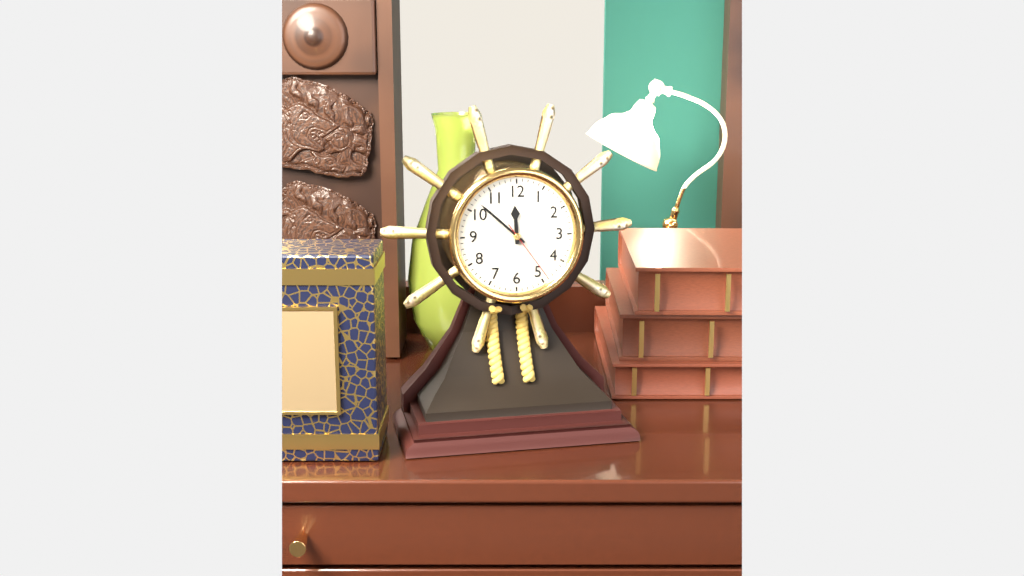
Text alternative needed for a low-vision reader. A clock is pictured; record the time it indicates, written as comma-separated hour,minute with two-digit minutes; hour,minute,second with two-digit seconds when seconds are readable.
11,52,24
